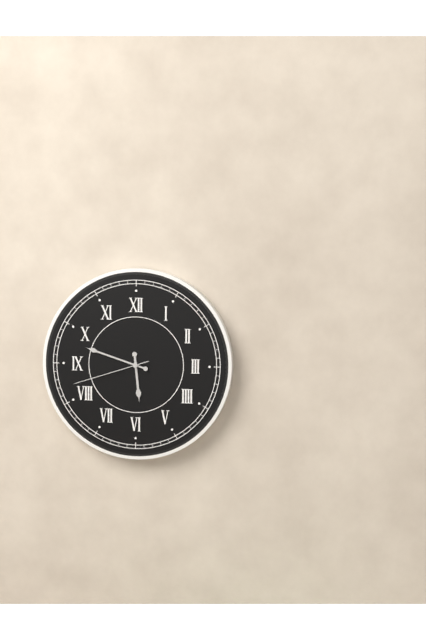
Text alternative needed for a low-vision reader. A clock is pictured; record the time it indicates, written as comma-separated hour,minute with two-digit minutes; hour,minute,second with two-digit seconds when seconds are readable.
5,48,42
